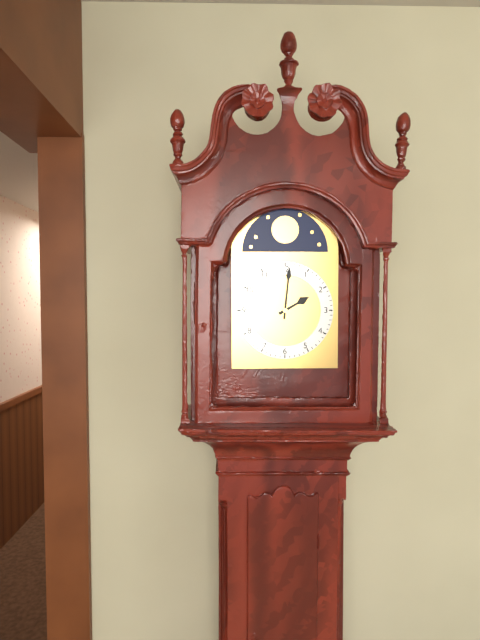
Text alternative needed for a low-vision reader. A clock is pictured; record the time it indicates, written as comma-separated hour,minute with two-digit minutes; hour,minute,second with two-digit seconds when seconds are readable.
2,01
